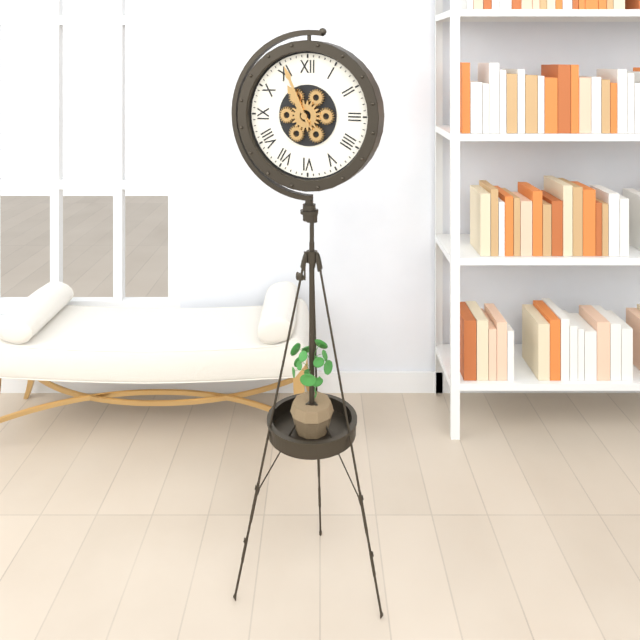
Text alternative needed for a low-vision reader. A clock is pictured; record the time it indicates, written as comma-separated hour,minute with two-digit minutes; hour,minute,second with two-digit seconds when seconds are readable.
10,56
